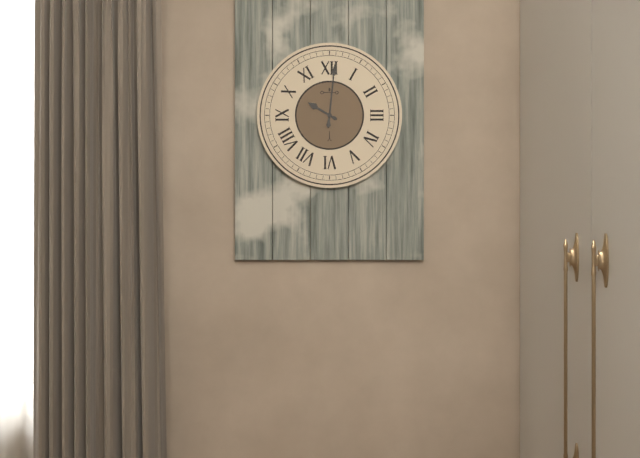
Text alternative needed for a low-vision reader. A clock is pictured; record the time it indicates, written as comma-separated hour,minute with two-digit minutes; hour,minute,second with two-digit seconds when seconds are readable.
10,01
